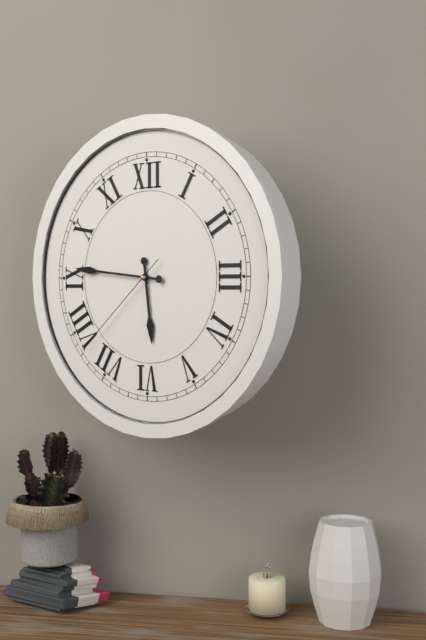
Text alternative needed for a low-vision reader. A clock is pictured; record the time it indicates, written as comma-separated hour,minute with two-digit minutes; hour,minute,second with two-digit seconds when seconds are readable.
5,46,38
